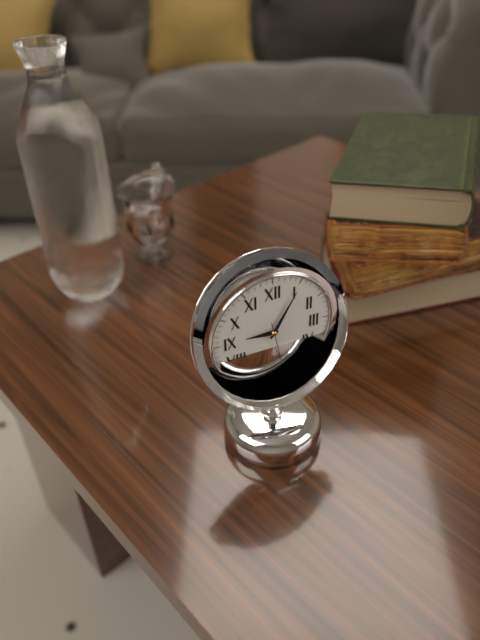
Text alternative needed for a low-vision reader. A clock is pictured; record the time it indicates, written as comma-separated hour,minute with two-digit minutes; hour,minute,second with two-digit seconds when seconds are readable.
9,05
